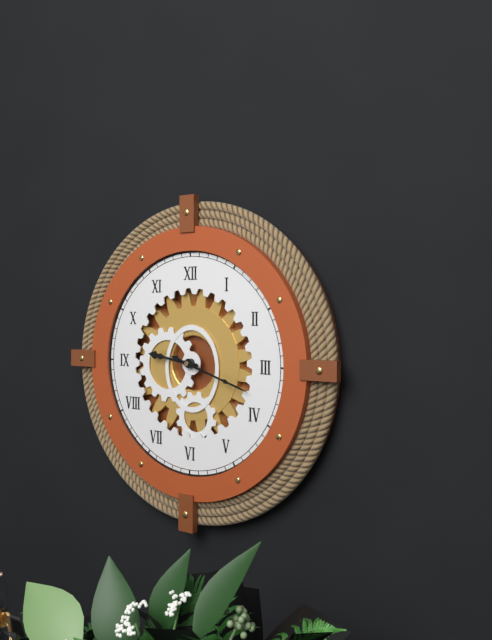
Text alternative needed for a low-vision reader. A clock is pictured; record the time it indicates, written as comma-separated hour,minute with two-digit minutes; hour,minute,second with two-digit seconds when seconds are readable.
9,18
